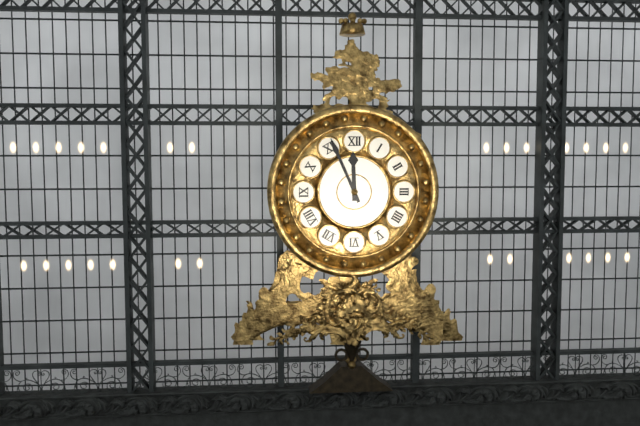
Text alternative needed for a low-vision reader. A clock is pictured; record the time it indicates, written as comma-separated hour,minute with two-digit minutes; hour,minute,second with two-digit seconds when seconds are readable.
11,56
